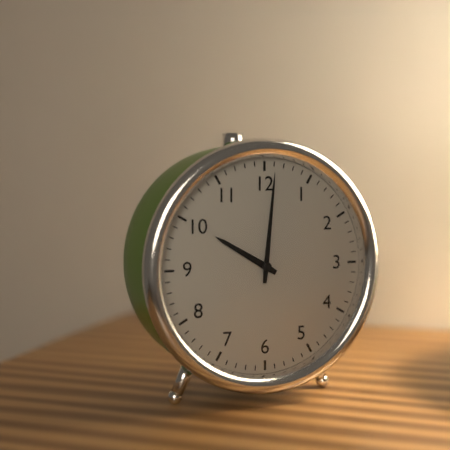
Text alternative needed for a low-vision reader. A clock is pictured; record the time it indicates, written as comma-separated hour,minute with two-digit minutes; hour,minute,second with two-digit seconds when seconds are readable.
10,01
